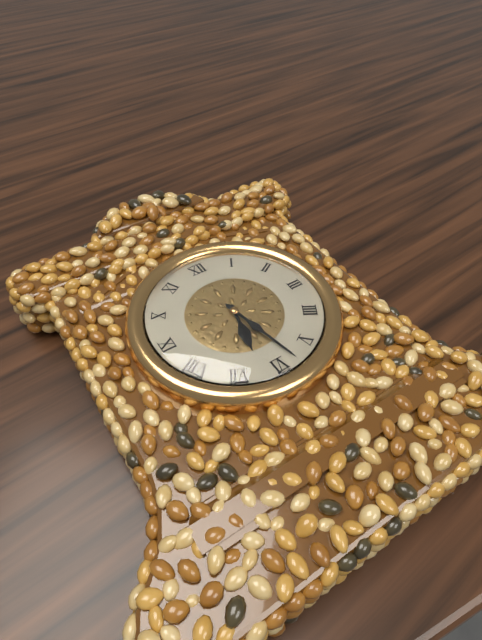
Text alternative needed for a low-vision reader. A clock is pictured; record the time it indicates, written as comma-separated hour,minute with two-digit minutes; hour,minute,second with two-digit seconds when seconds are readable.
6,28
